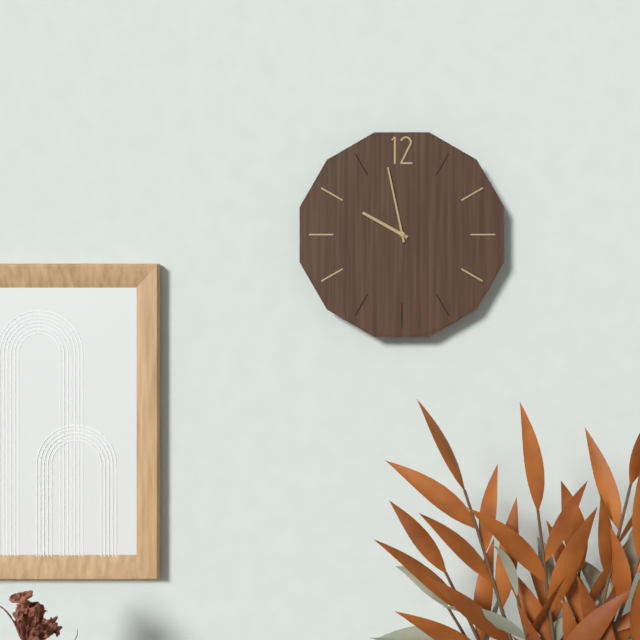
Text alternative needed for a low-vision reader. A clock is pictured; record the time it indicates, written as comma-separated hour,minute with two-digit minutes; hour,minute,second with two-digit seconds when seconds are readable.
9,58
